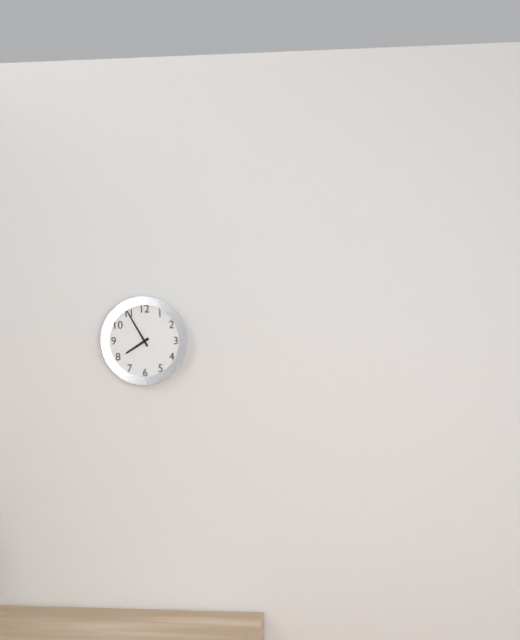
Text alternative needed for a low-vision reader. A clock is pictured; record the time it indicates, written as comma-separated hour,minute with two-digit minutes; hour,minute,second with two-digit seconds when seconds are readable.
7,55
